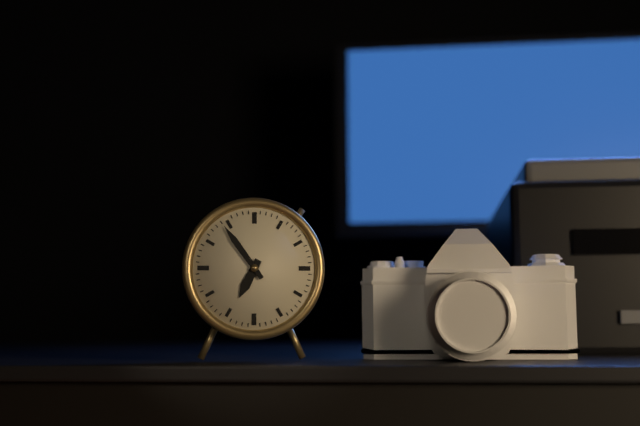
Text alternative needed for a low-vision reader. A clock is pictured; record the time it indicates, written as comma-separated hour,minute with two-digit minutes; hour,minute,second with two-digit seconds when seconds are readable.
6,54
